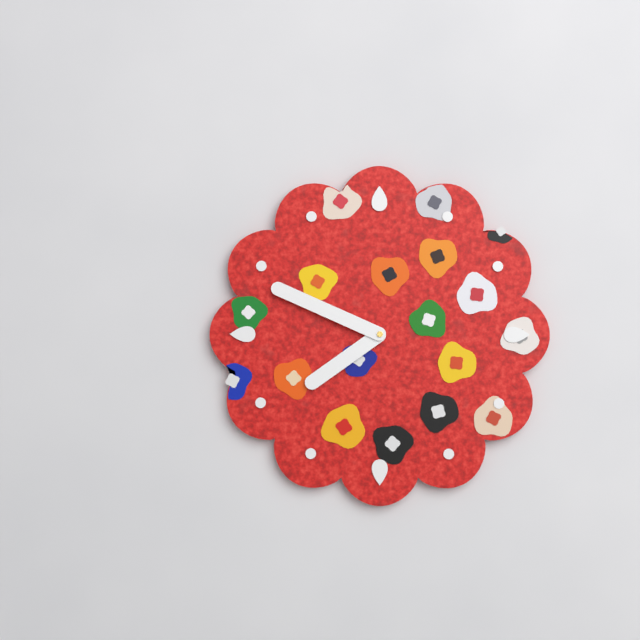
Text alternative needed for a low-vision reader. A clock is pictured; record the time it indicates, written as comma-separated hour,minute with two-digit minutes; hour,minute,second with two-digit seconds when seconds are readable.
7,49
